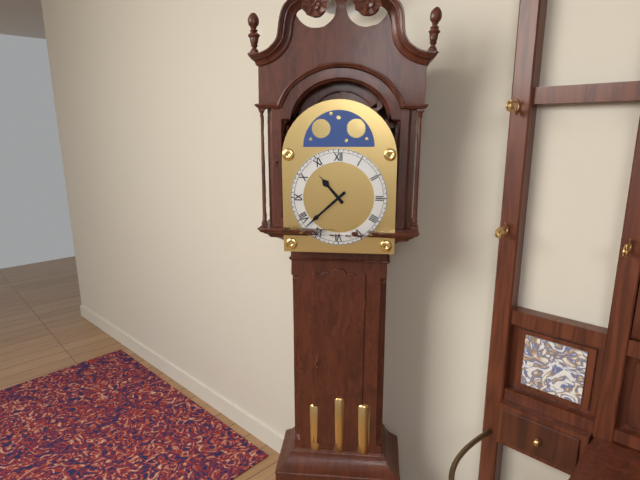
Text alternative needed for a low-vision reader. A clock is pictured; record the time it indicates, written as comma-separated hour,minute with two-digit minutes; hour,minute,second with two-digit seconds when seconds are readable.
10,38
